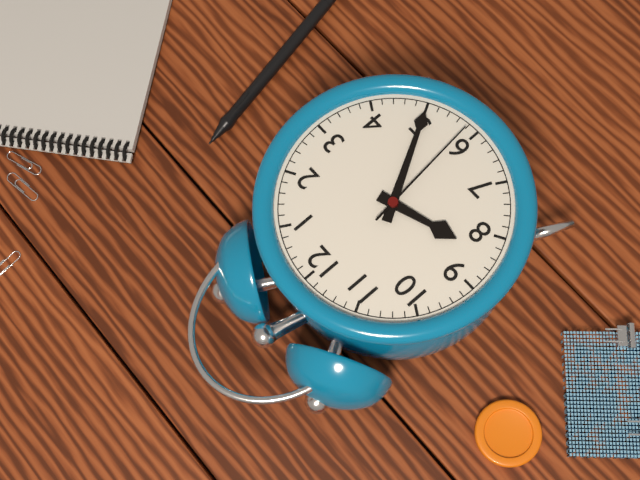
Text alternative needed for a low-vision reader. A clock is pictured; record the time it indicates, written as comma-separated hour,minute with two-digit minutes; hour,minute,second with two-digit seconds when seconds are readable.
8,25,29
